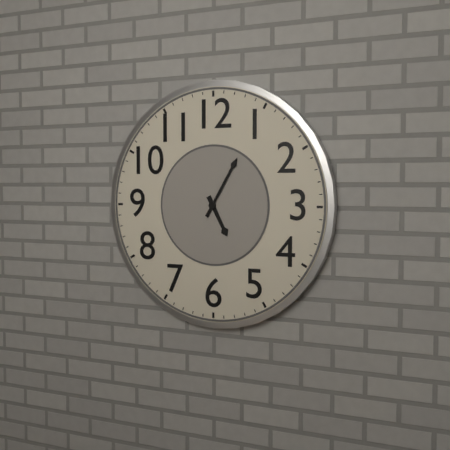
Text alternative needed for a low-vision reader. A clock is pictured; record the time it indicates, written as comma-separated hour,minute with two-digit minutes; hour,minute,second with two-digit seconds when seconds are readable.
5,05
